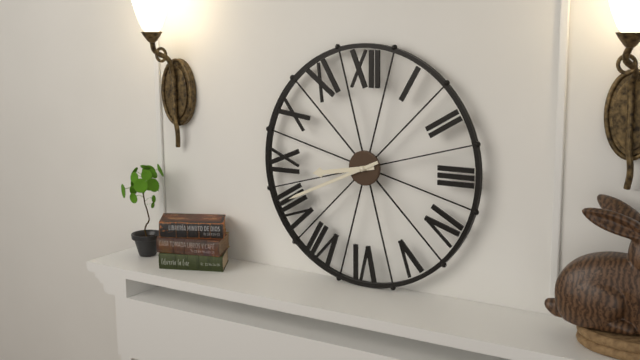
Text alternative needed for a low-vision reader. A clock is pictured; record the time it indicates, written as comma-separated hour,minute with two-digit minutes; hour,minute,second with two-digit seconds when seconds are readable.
8,41
